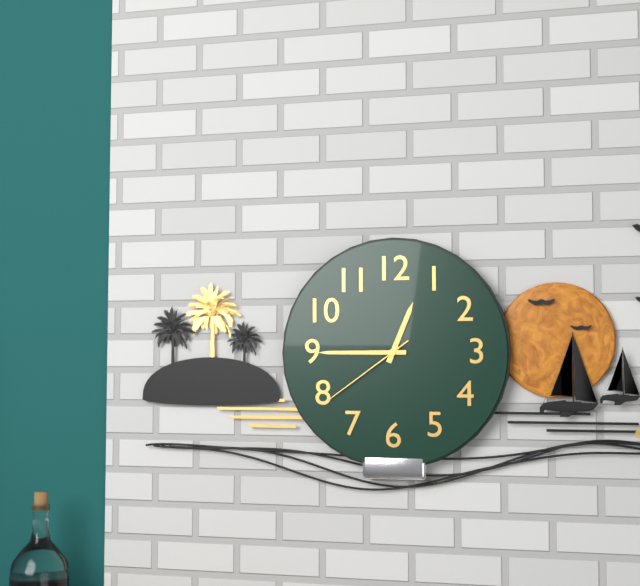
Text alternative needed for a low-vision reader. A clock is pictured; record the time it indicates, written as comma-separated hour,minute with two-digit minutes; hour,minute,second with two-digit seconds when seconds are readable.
12,45,39
